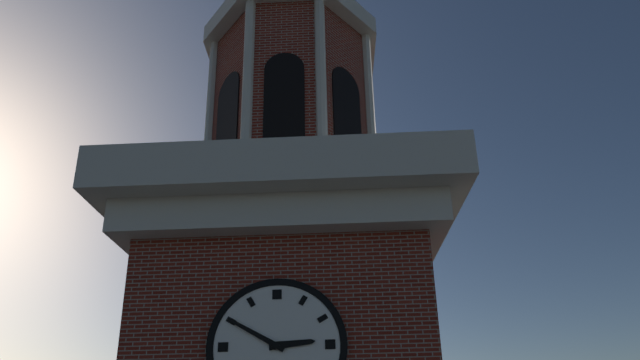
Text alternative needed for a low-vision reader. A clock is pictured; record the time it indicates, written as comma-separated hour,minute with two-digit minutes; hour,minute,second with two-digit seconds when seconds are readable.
2,50
